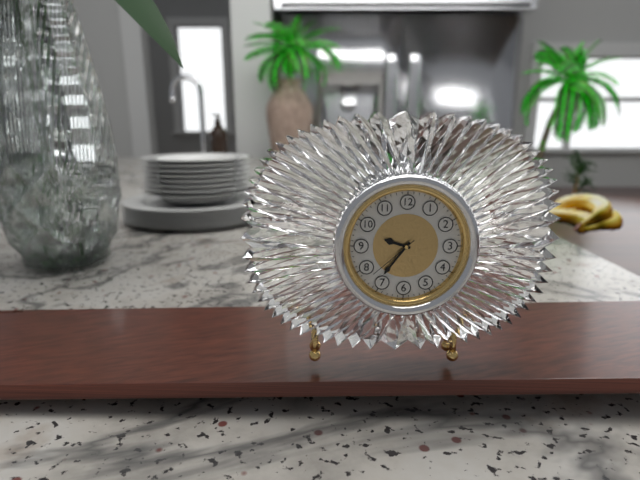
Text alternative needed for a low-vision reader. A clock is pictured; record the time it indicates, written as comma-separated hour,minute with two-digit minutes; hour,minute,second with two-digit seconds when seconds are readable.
9,36,38
